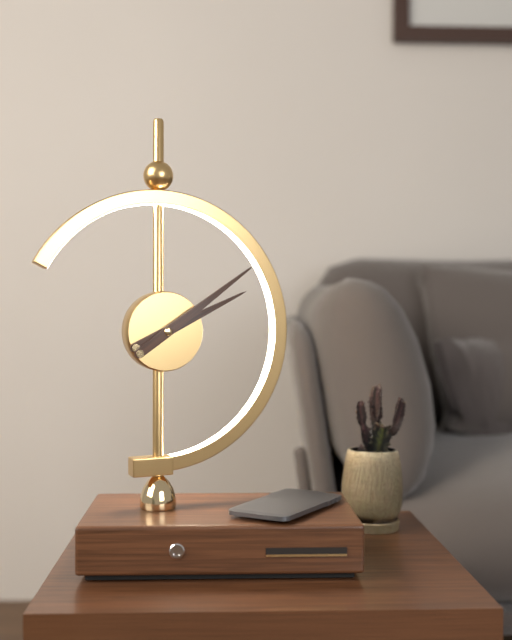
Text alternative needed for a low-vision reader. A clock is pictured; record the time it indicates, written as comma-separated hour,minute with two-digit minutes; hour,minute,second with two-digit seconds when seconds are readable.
2,09
